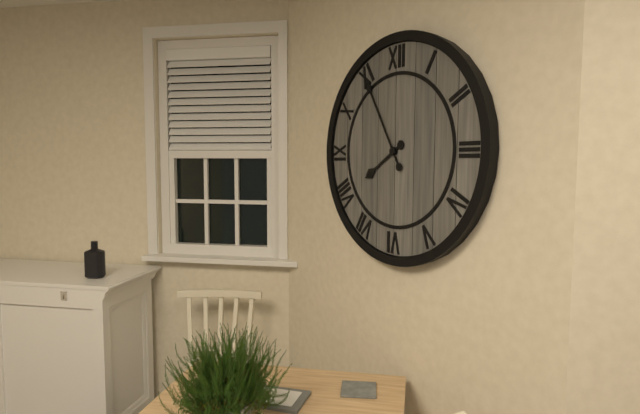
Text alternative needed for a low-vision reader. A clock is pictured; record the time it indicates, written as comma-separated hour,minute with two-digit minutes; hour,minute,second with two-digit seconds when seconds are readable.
7,55
